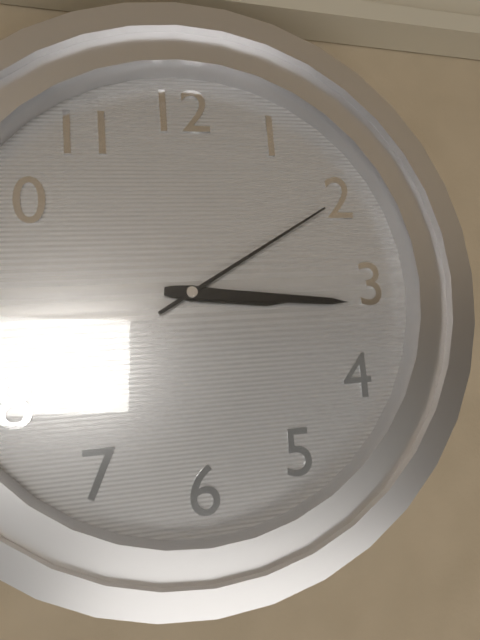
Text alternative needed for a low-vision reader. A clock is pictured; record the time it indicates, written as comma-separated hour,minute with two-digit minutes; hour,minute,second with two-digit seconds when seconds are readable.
3,16,10
